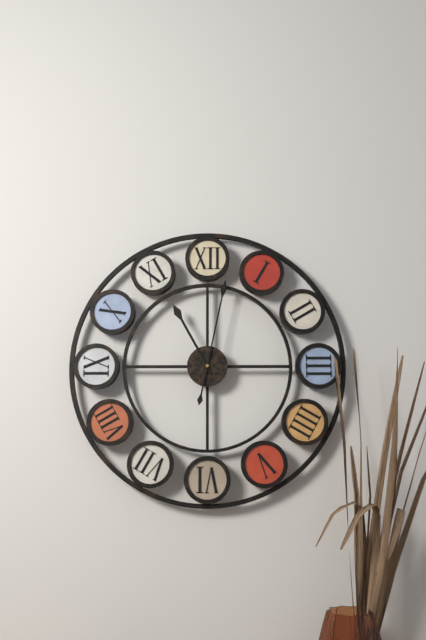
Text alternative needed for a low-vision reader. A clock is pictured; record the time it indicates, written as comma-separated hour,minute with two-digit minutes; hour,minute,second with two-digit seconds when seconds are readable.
11,02
